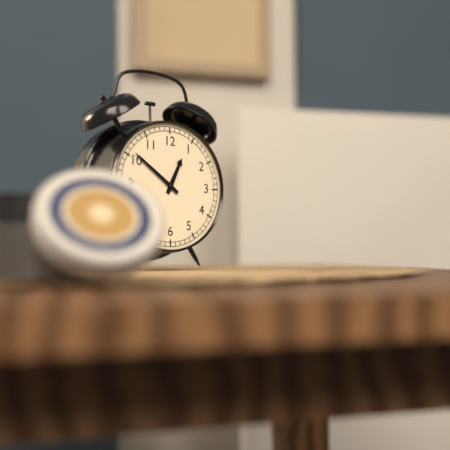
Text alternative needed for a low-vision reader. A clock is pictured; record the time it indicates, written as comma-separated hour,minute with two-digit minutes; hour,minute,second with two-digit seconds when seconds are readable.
12,51
